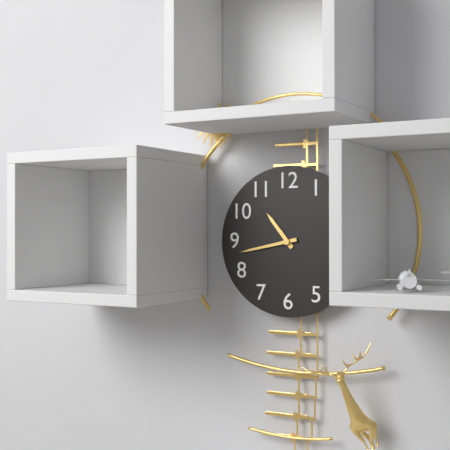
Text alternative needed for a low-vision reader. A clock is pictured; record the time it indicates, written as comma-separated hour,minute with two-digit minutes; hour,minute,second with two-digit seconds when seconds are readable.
10,43
